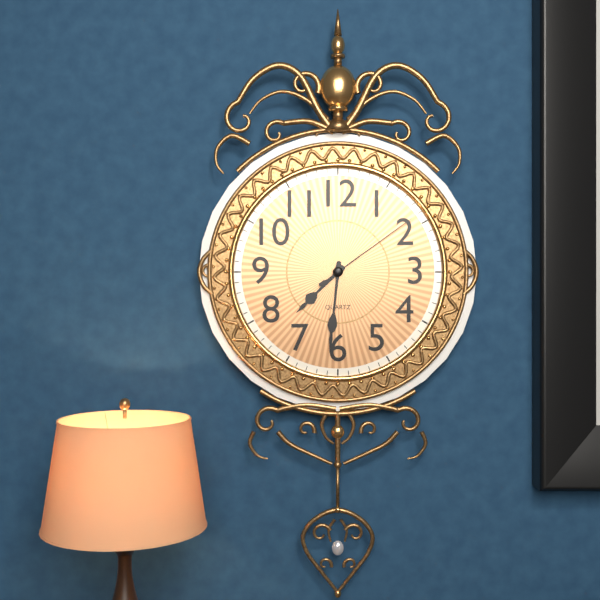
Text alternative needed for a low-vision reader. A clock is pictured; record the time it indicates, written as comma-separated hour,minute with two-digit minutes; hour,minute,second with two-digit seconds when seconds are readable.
7,31,09
